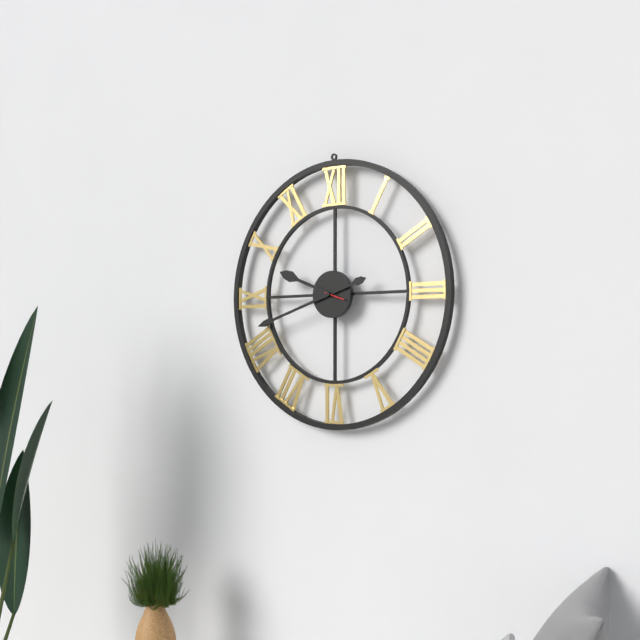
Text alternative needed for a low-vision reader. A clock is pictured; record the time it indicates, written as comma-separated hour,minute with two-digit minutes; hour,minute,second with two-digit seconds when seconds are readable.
9,42
